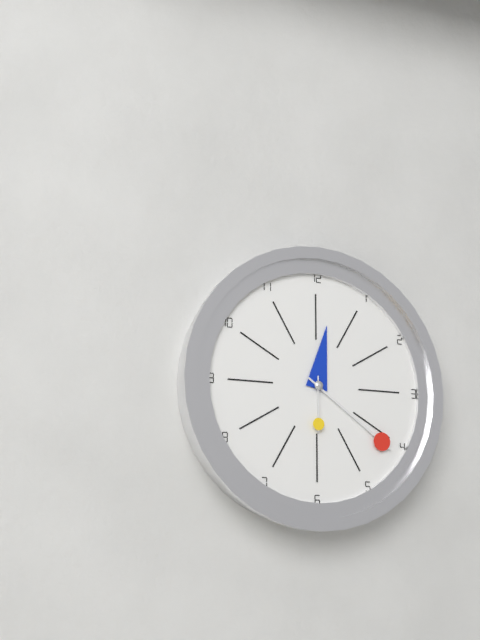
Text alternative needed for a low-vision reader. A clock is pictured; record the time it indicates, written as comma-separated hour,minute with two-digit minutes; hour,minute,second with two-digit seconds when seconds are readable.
12,21,30
